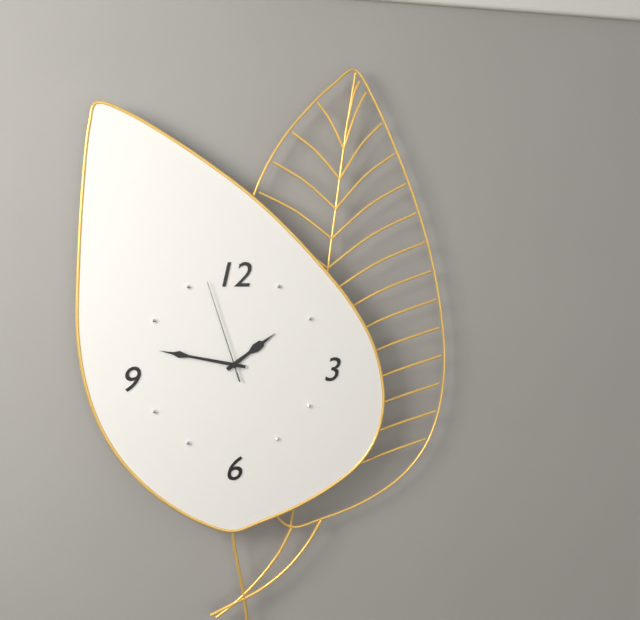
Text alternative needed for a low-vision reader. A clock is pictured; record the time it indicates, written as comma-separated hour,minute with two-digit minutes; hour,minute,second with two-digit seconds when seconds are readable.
1,47,57
